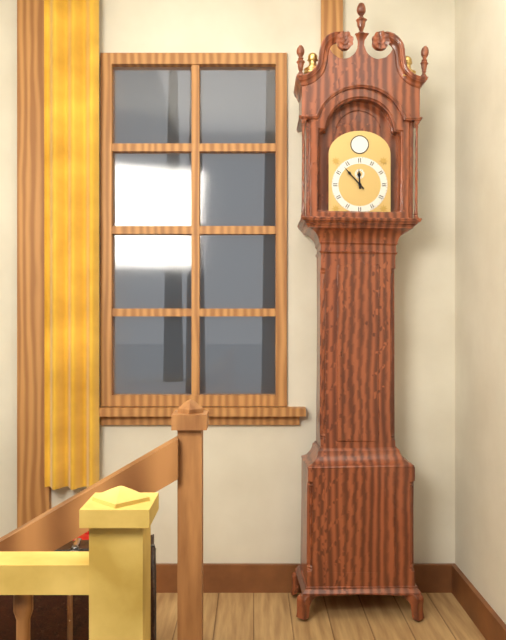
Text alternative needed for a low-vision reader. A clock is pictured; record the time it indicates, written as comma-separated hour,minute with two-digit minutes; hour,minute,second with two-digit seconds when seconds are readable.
11,53
